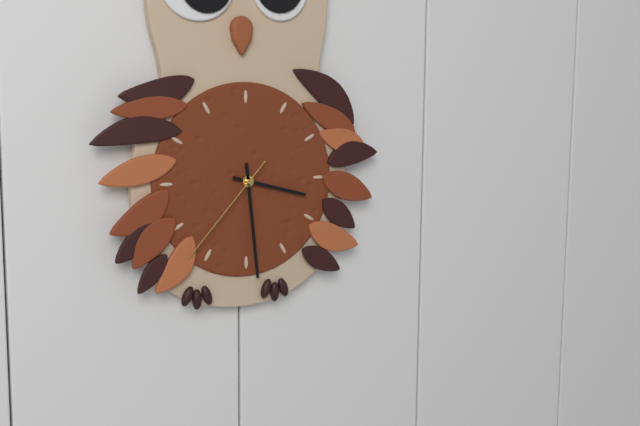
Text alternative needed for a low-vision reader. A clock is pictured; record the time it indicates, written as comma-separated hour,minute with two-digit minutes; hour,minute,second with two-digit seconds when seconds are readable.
3,29,37
